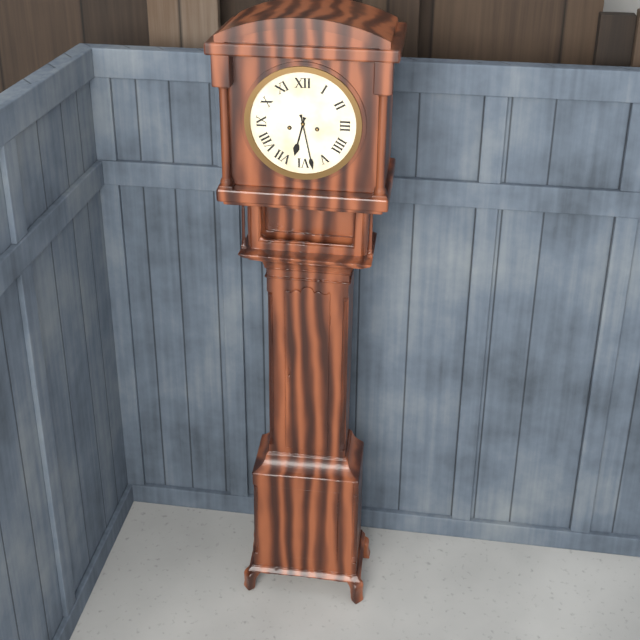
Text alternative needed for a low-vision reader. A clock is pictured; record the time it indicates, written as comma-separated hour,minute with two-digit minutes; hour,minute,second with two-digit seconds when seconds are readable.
6,28
